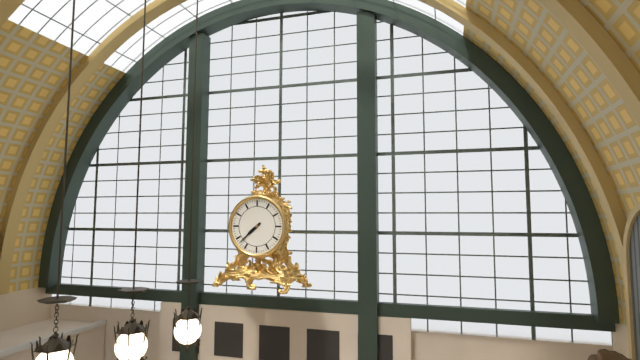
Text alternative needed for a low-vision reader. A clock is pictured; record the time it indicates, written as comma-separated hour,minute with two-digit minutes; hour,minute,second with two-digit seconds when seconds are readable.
7,38
